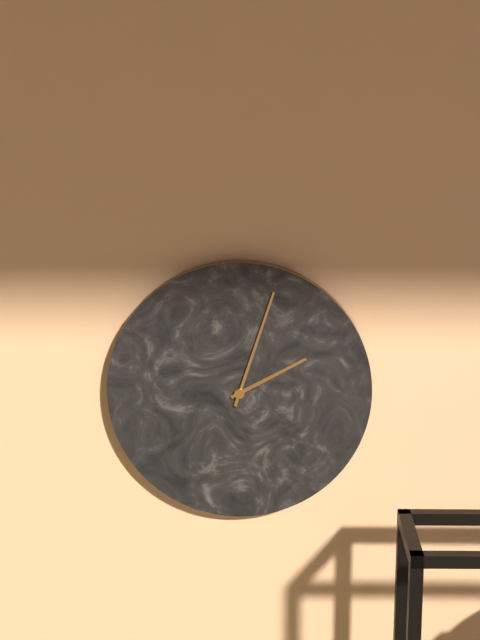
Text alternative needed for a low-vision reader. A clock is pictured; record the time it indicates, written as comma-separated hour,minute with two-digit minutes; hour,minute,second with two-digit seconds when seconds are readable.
2,03
